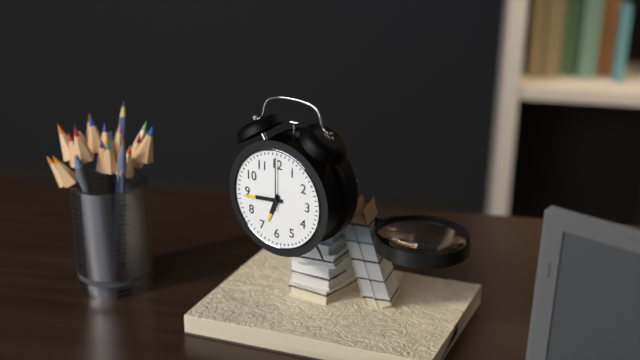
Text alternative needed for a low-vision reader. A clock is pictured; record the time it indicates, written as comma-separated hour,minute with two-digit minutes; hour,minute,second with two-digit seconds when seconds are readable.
6,44,00
